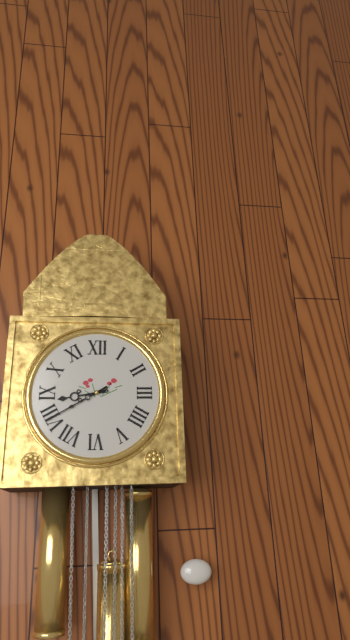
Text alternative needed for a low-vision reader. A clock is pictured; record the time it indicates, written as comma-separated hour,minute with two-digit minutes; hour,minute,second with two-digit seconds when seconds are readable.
8,40
